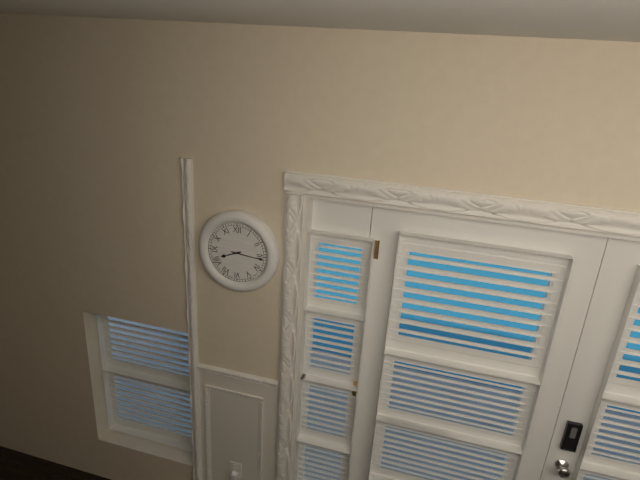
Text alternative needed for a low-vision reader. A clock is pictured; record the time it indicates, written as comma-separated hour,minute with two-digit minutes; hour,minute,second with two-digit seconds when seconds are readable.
8,16
